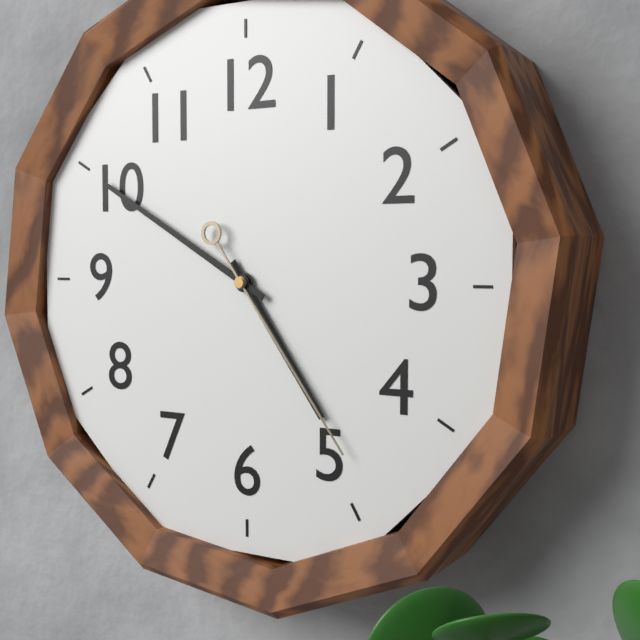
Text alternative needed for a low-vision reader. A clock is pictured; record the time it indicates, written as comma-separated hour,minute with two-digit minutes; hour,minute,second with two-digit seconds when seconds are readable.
4,50,24
